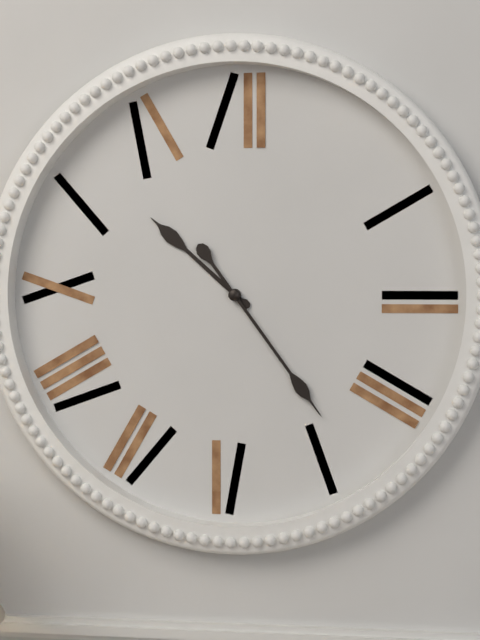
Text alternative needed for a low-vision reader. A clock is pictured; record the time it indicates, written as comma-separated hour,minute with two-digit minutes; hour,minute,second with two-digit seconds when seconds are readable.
10,24
